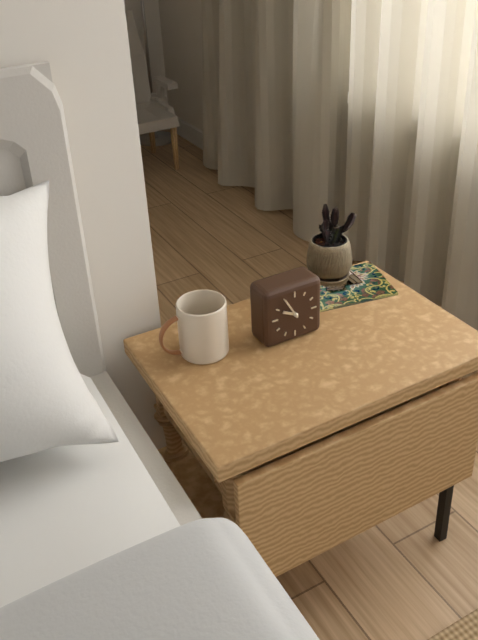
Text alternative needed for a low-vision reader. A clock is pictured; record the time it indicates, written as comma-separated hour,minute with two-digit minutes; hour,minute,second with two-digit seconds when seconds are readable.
9,55
